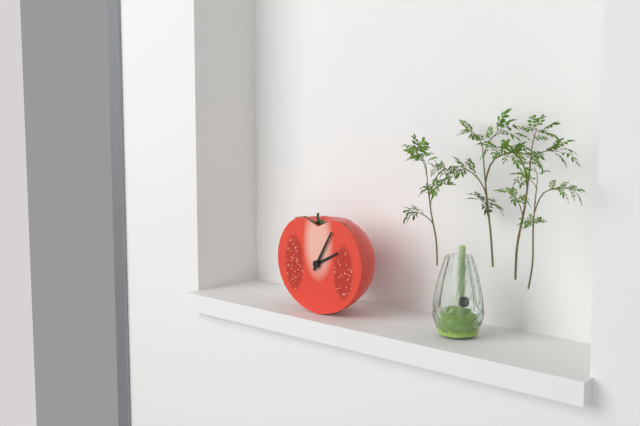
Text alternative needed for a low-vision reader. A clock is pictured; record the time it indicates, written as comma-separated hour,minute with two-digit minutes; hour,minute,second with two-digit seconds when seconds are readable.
2,05
